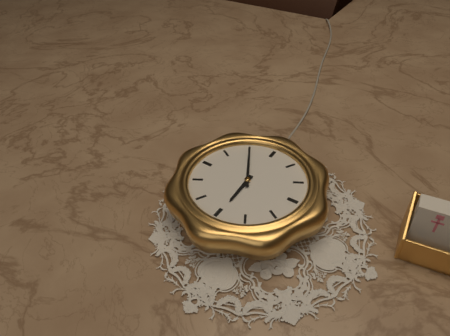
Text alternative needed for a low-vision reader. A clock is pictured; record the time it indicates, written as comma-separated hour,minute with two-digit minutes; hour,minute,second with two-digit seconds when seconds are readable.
5,55
